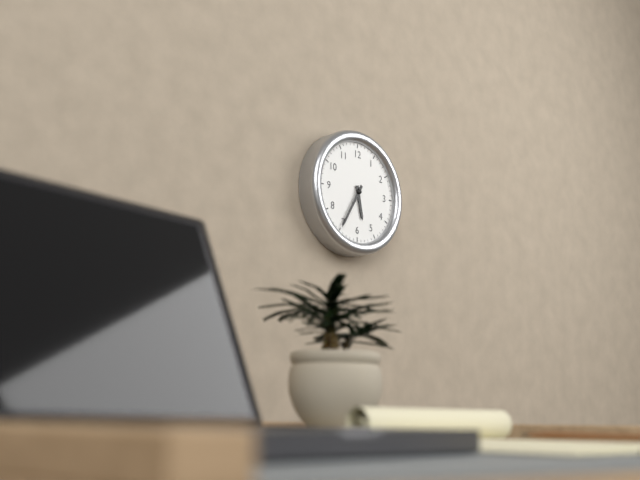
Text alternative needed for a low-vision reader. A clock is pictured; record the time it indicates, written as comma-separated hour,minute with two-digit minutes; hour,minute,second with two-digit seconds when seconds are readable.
5,35
